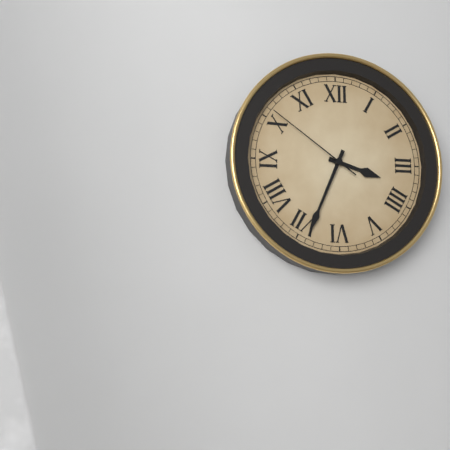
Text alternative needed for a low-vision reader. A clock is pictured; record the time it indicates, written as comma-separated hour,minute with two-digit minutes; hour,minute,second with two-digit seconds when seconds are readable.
3,34,51
